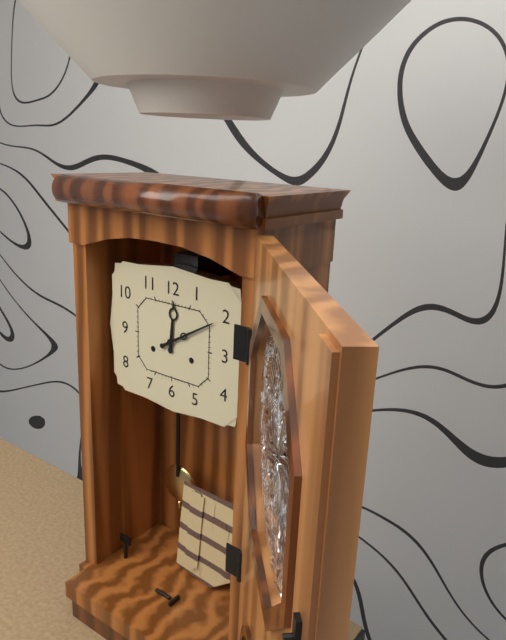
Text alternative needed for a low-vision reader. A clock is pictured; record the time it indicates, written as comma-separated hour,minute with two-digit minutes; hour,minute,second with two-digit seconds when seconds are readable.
12,10
